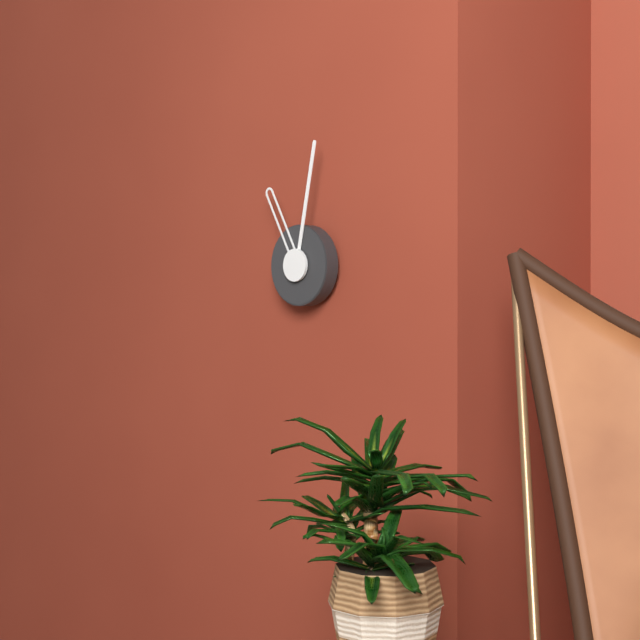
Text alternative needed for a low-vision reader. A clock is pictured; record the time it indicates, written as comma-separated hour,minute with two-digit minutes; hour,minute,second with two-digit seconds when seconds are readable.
11,02
